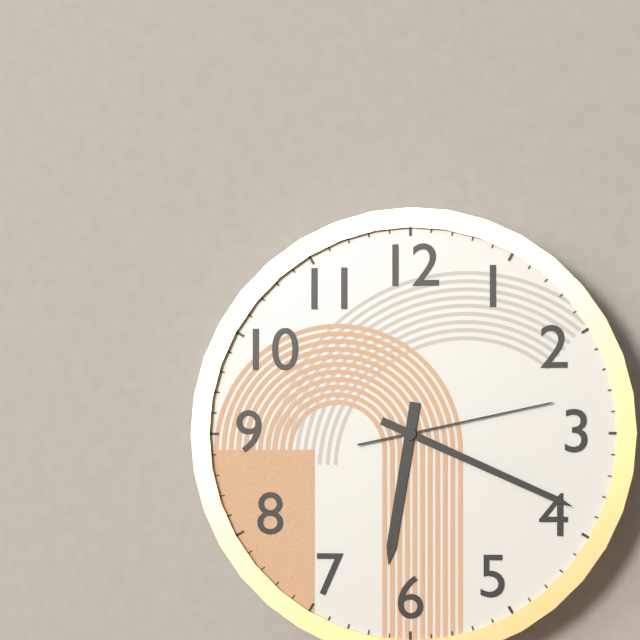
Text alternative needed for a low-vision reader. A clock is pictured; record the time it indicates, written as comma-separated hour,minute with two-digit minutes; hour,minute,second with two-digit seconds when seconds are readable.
6,19,13
